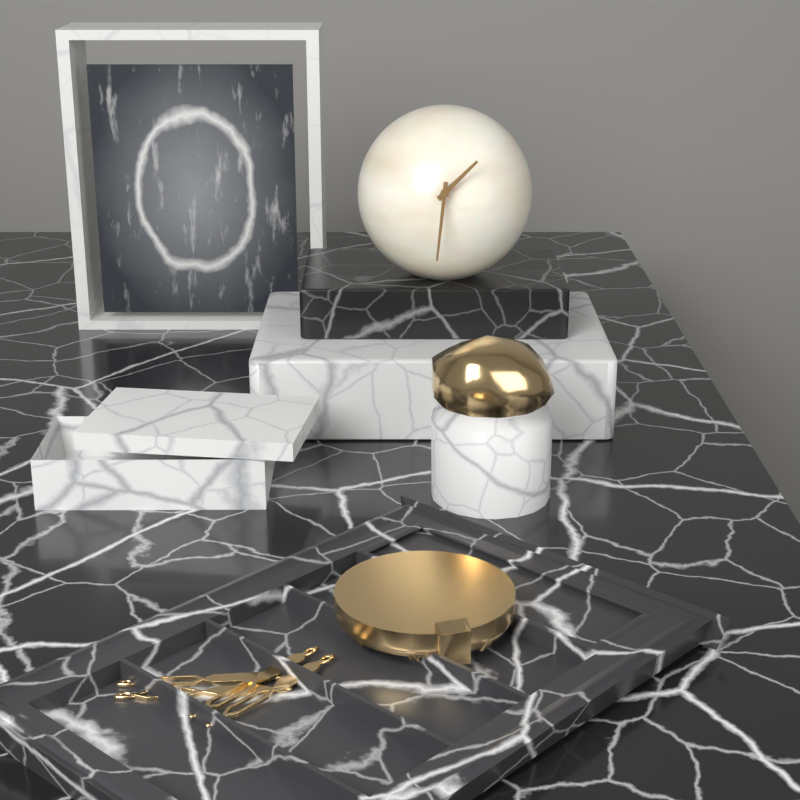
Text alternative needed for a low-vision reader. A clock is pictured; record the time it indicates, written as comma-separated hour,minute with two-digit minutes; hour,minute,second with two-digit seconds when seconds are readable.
1,31
